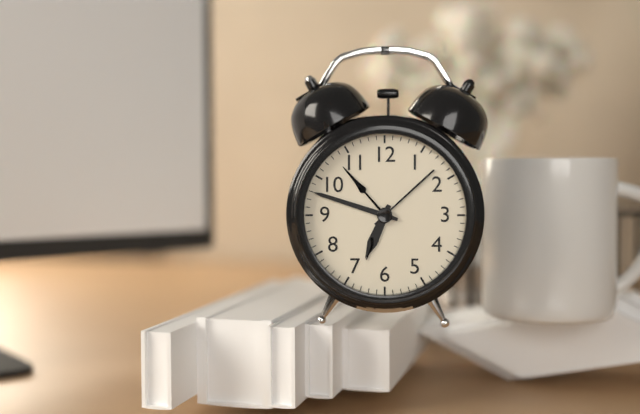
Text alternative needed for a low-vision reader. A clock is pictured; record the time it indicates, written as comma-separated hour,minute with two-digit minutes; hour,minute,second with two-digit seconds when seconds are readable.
6,48
